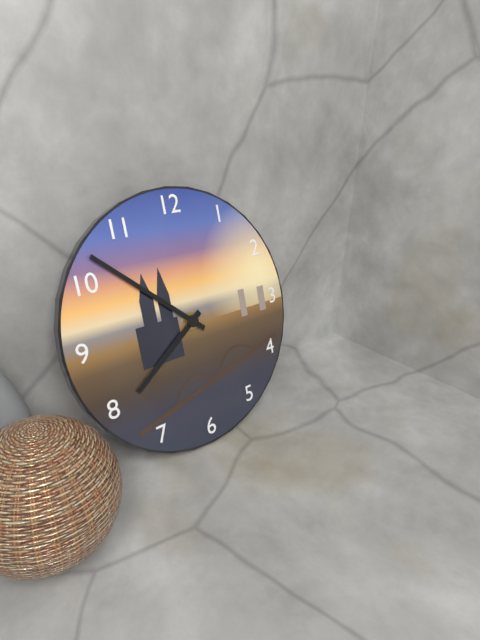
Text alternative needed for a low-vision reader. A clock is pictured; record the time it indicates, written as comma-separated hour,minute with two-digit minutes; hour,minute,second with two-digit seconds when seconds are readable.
7,52
